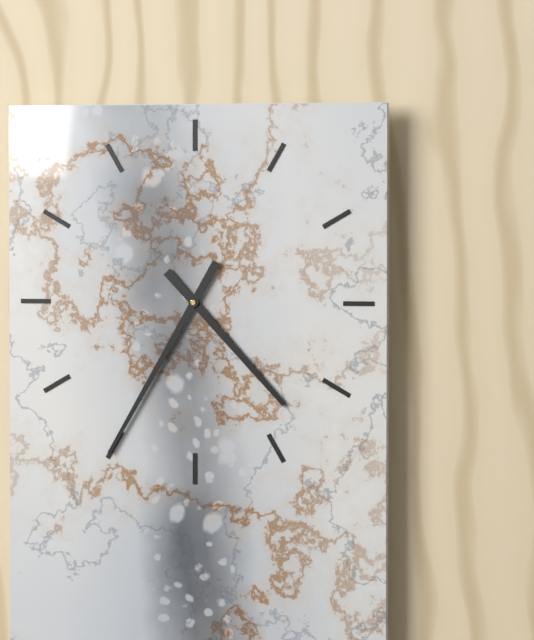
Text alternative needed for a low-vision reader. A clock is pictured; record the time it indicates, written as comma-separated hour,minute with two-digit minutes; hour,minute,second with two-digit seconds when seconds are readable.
4,35
